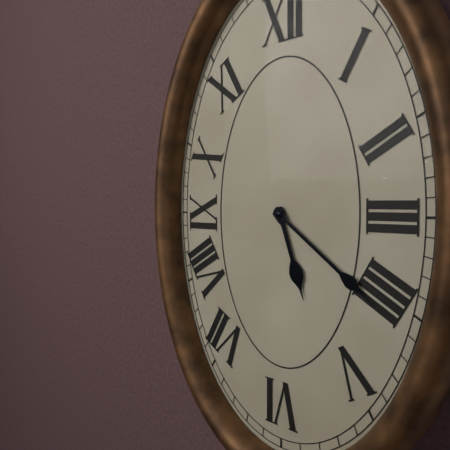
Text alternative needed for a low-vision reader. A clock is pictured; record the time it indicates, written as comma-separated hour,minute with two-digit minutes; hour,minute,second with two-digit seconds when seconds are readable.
5,21
